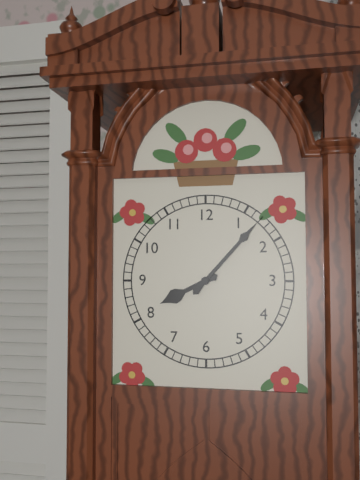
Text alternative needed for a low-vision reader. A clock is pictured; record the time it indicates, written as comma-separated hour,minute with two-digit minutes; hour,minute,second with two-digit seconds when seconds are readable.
8,07
